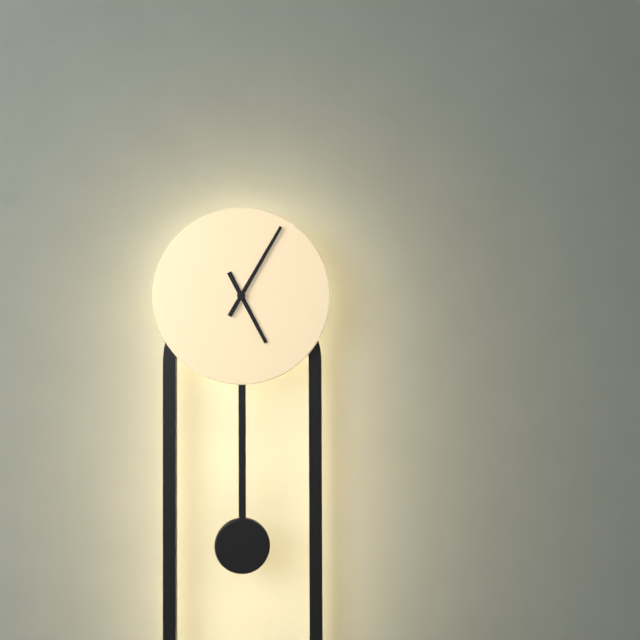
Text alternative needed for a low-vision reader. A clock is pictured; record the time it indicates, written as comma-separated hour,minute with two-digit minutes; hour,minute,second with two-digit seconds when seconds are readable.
5,05
